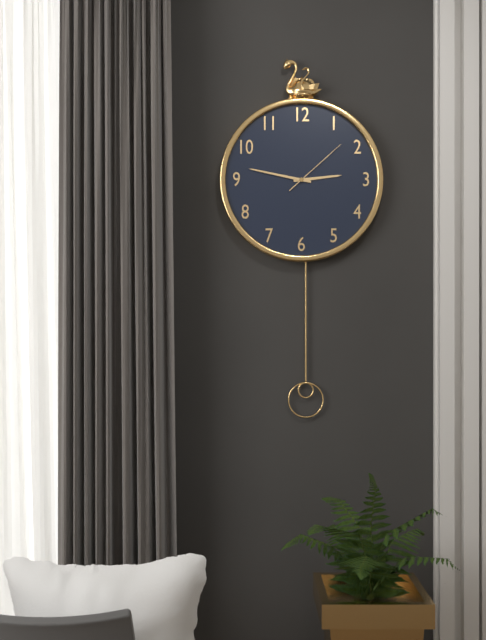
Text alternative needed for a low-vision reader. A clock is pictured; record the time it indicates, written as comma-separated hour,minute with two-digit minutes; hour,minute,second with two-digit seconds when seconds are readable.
2,47,08
